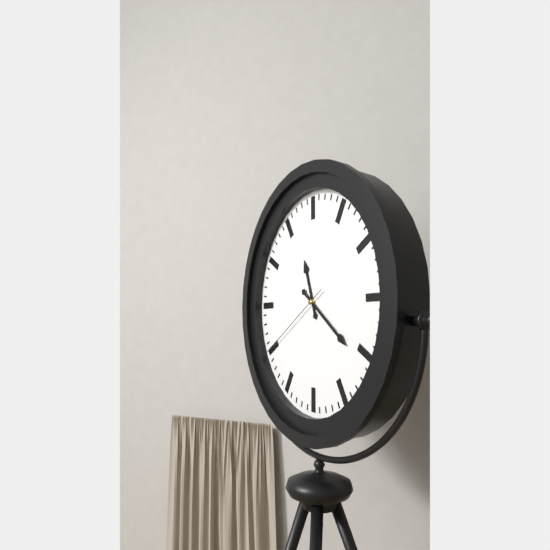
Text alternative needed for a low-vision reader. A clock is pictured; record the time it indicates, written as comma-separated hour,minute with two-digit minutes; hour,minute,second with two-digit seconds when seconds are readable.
11,21,40
